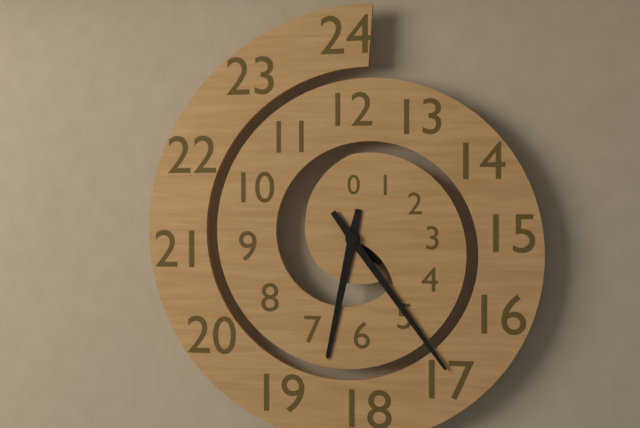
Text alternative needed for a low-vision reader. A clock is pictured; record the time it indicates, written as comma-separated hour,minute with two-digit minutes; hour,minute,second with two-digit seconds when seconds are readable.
6,24
